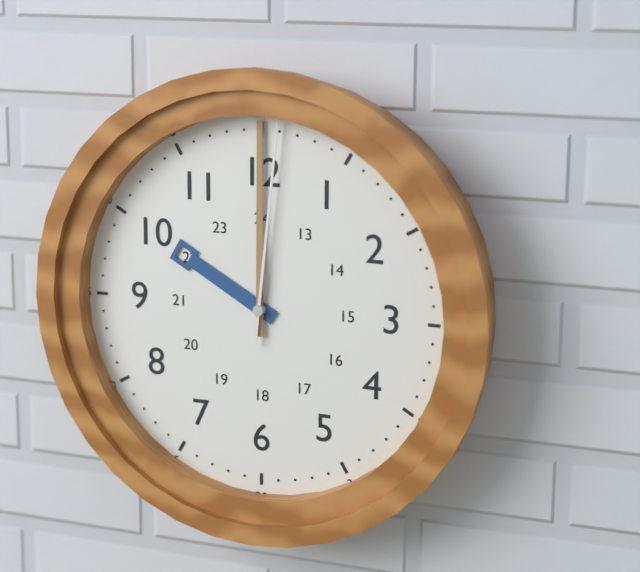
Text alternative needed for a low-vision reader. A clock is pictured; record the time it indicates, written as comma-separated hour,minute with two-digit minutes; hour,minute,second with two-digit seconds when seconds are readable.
10,00,01
